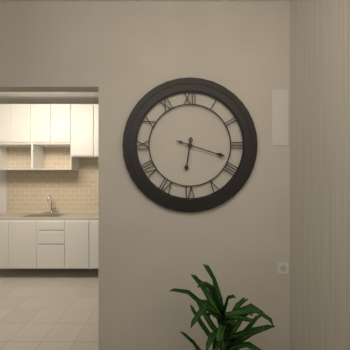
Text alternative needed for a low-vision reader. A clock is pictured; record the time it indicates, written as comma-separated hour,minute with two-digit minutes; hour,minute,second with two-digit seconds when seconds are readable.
6,18
